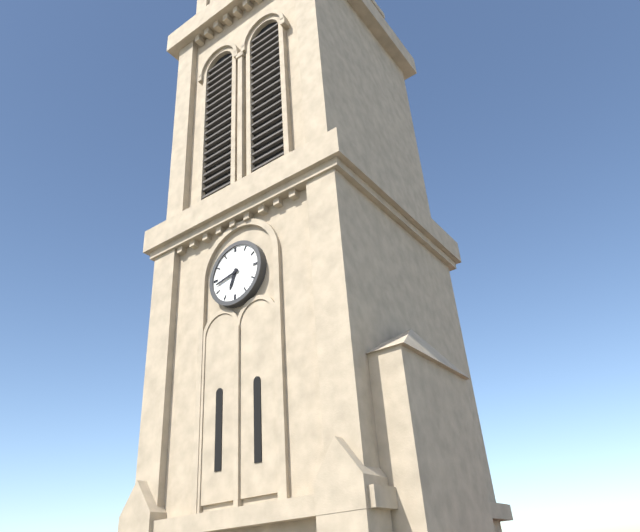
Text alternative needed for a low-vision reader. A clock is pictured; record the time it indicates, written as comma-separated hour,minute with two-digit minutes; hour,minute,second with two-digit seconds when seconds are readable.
6,43
